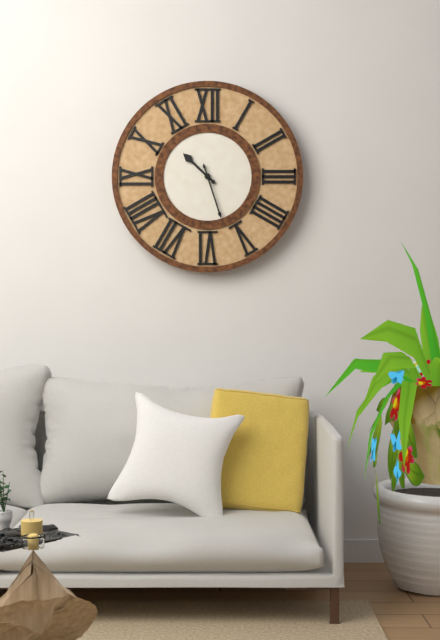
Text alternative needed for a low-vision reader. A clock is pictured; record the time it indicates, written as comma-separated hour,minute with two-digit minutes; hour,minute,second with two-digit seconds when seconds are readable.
10,27
